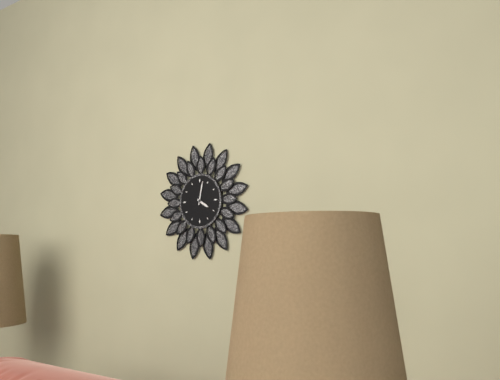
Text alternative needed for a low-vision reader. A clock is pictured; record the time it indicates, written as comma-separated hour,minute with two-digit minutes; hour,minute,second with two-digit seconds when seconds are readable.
4,02
